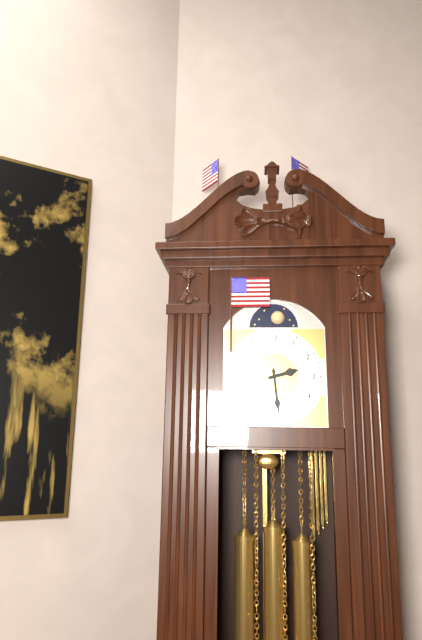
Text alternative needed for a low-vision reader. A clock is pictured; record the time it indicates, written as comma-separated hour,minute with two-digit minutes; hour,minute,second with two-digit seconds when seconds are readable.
2,29
